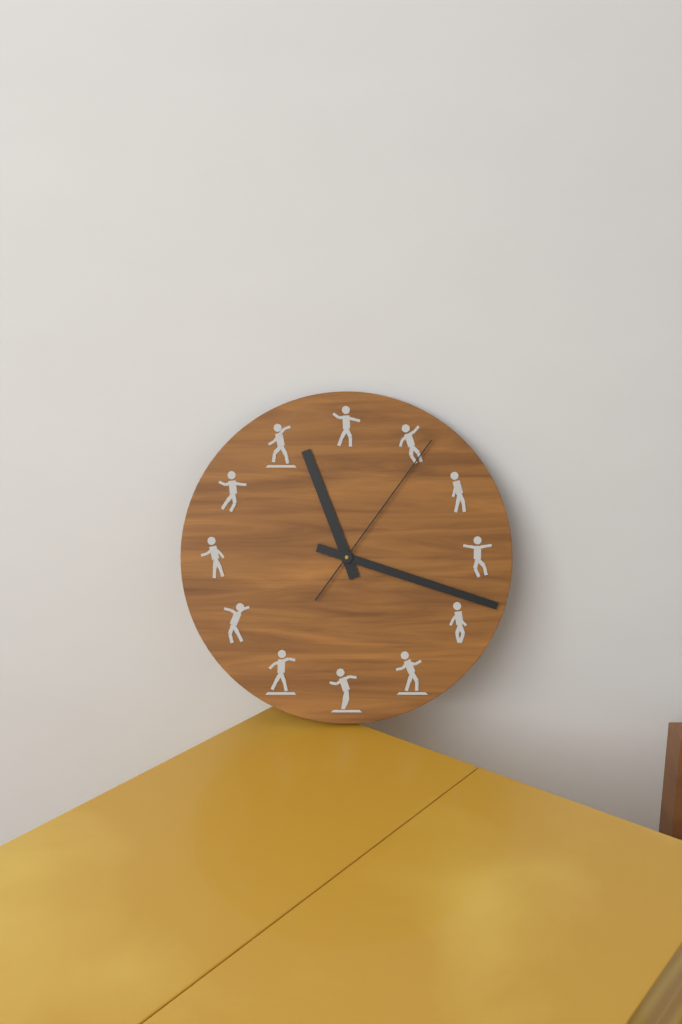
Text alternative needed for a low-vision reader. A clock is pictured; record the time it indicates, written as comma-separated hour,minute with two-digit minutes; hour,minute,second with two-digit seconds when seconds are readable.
11,18,06
